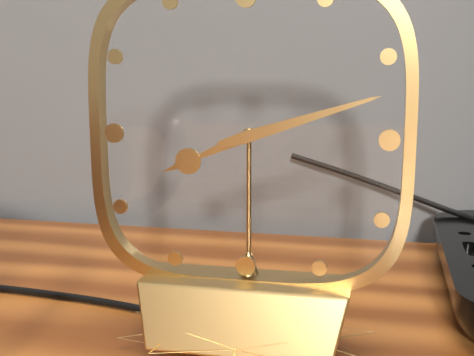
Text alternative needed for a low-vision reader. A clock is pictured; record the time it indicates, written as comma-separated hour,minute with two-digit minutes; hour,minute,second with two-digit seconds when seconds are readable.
8,12
